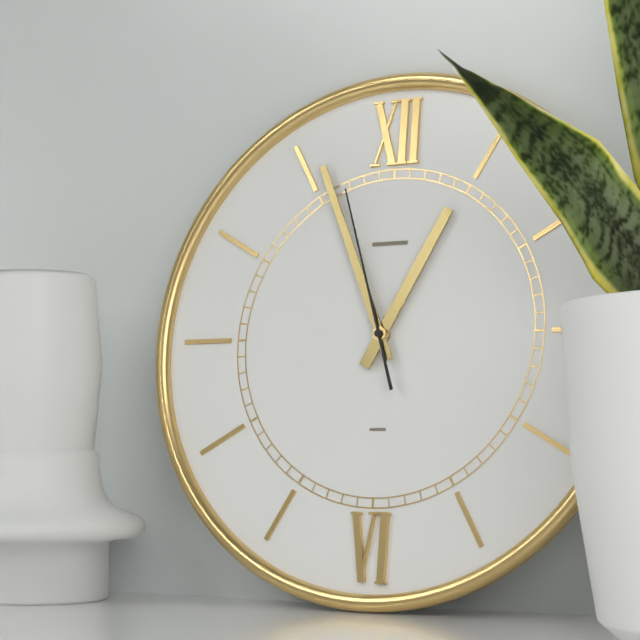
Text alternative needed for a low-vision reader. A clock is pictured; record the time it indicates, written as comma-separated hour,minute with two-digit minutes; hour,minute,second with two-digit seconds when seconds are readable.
12,56,57
